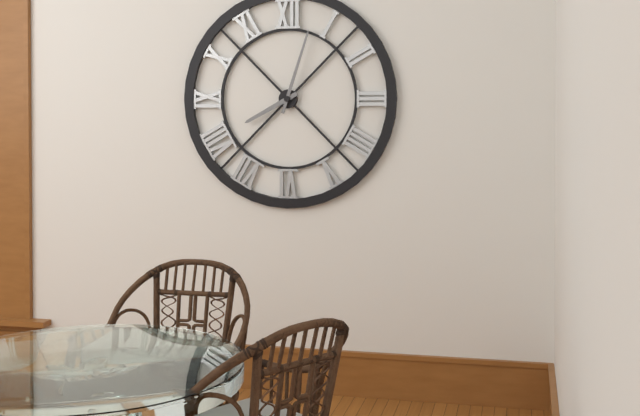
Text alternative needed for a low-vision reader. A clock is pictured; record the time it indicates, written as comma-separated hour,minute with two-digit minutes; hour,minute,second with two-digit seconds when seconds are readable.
8,03
